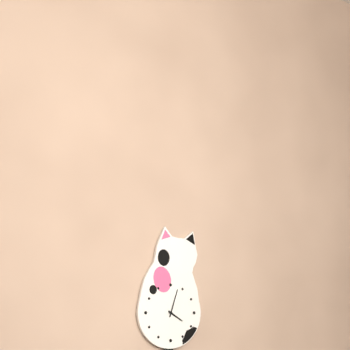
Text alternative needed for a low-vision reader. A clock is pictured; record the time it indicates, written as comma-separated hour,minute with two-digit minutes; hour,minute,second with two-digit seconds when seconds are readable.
4,03
